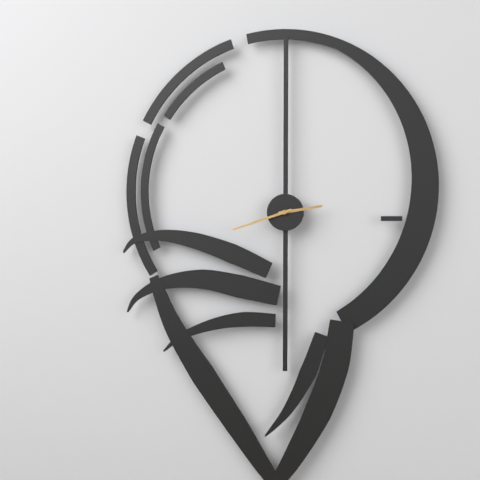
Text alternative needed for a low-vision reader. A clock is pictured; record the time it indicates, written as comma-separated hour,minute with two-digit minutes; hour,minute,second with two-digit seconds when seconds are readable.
2,42
